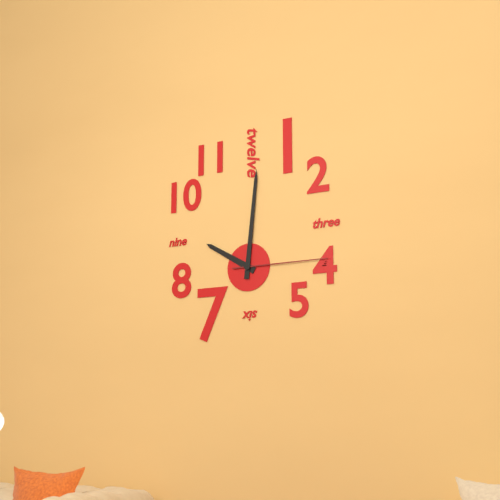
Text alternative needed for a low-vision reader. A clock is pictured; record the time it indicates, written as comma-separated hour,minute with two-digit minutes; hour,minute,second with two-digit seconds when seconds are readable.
10,01,15
